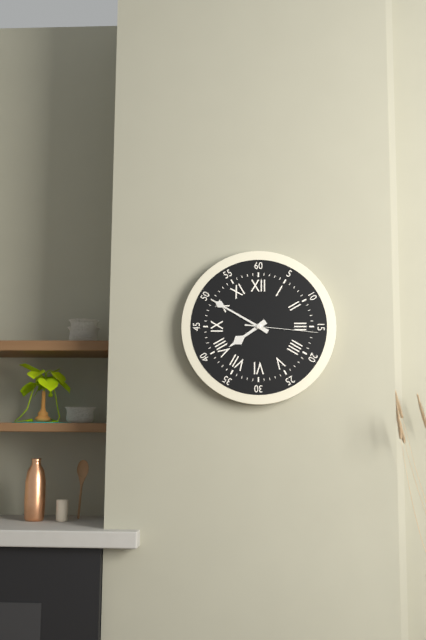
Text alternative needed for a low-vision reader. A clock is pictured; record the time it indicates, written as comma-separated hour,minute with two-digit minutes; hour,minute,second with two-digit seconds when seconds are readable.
7,50,16
